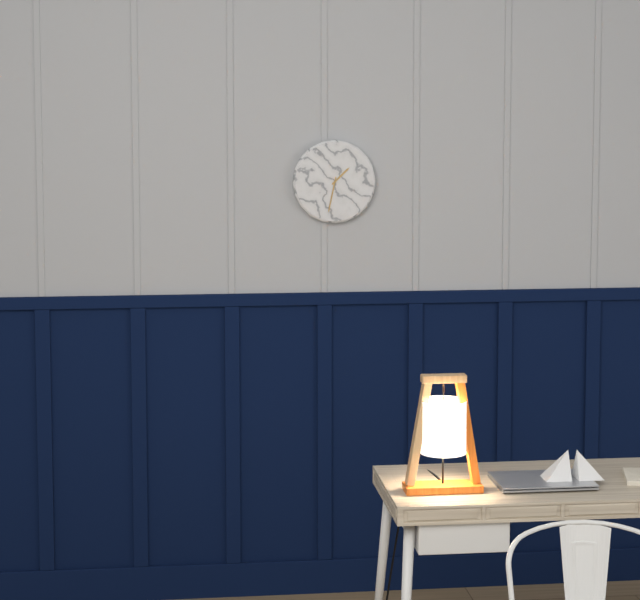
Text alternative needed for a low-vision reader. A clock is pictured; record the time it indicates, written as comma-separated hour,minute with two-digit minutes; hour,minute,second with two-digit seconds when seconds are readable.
1,32
